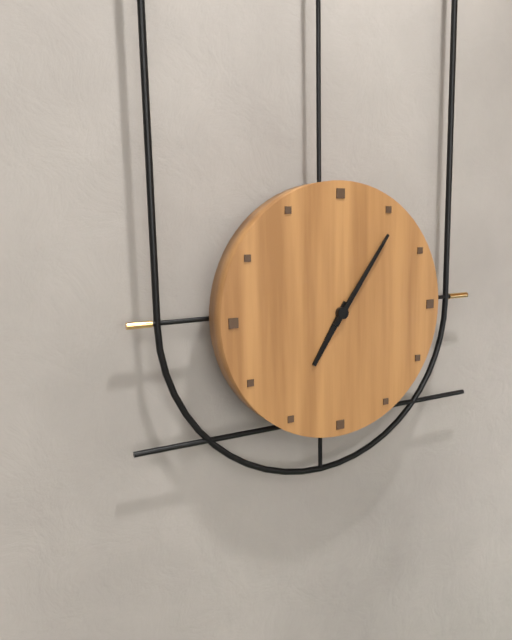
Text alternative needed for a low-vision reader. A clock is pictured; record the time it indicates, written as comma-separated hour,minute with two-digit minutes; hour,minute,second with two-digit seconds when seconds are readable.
7,06
